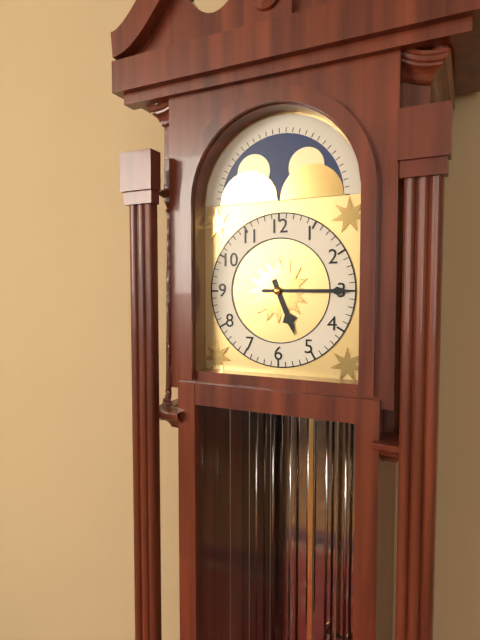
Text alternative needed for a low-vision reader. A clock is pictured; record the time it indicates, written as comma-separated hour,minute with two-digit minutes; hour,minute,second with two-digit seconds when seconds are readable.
5,15
